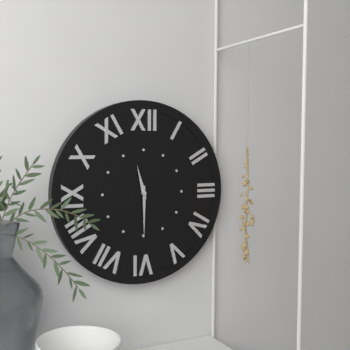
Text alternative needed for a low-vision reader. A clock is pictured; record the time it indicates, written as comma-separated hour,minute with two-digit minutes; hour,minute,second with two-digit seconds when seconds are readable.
11,30
